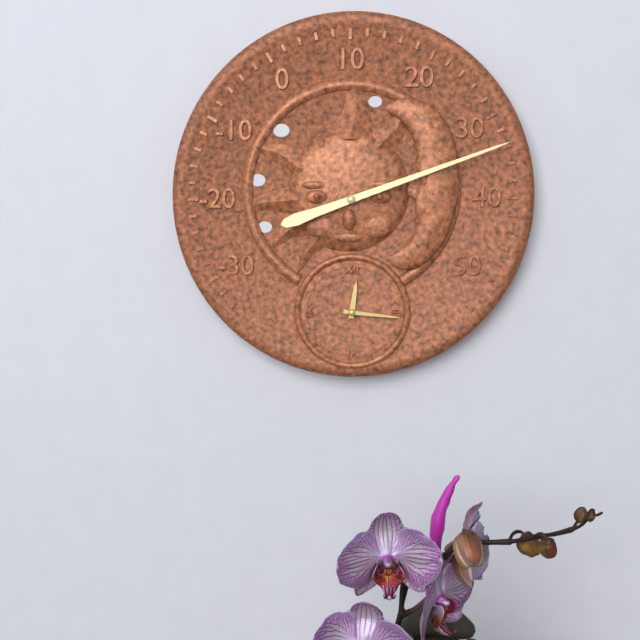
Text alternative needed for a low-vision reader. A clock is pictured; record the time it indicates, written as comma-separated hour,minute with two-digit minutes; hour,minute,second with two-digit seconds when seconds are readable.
12,16
